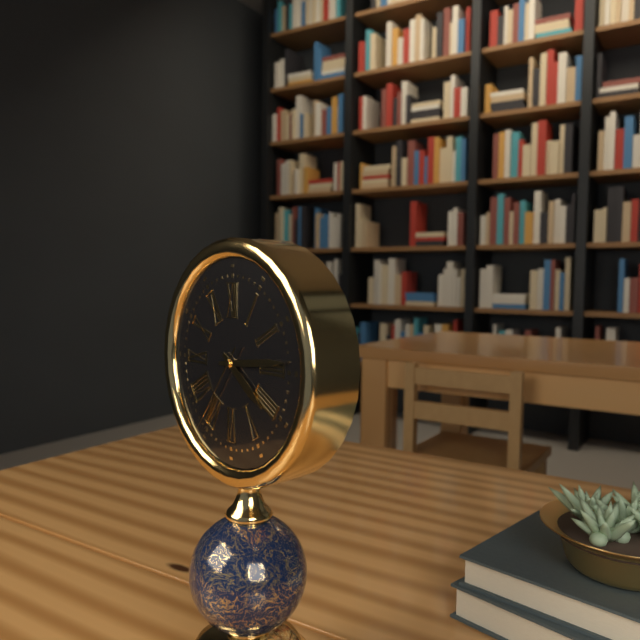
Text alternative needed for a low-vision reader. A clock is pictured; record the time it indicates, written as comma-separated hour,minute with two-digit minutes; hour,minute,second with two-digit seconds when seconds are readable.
4,14,36
